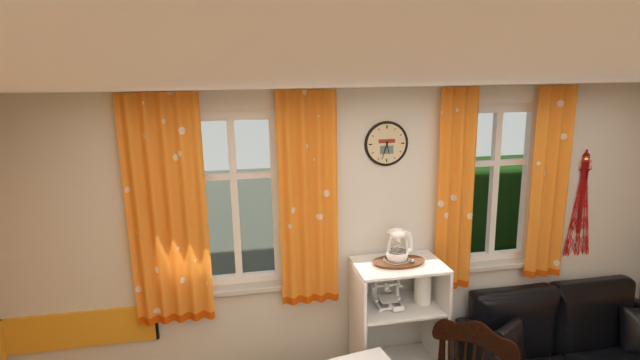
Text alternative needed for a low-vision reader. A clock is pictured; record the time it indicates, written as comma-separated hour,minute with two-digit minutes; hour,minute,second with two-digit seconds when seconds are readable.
5,33
